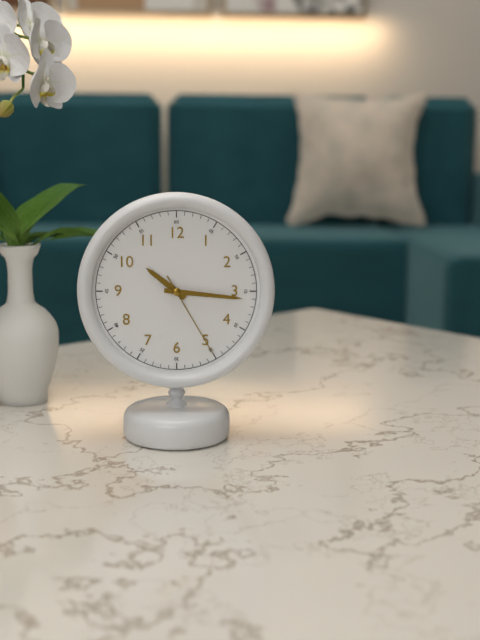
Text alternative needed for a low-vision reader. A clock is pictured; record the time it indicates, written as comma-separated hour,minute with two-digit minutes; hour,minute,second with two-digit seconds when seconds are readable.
10,16,25
